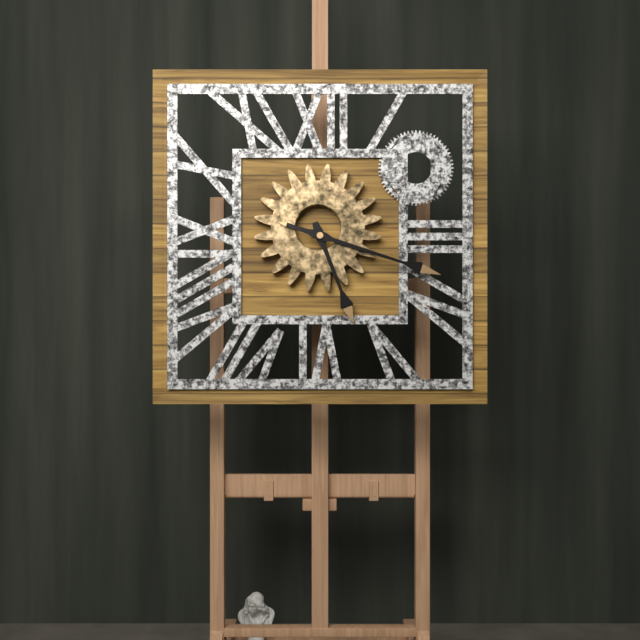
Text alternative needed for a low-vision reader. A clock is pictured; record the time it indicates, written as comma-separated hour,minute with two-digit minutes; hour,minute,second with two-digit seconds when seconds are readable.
5,18
